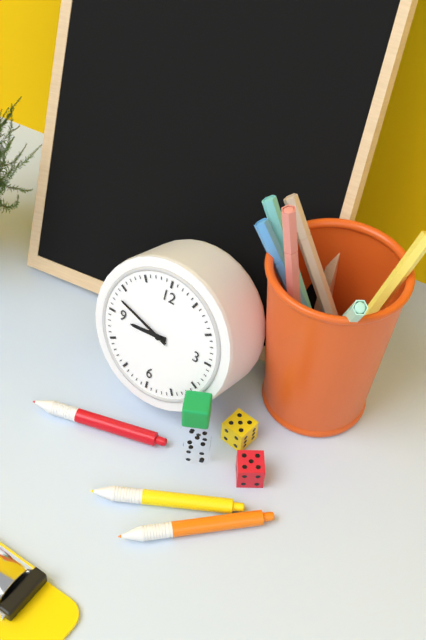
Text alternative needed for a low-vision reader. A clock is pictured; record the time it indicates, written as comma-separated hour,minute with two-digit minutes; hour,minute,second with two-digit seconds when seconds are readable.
8,48
